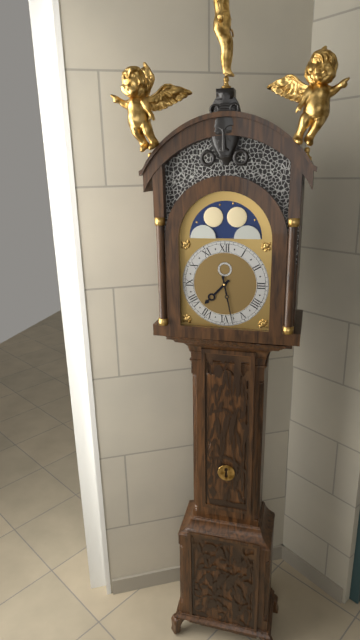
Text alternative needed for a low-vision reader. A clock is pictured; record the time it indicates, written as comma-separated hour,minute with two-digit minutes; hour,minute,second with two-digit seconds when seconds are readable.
7,28
